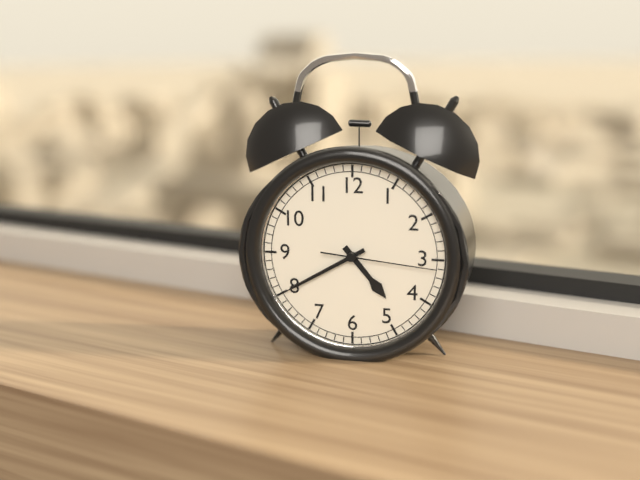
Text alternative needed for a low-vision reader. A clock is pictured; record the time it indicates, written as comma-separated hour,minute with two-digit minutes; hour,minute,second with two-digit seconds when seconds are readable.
4,40,16
